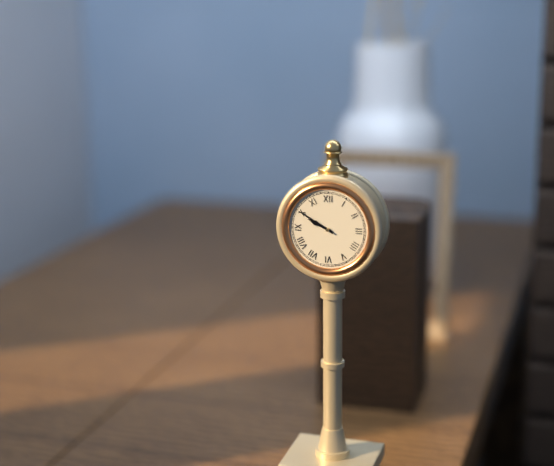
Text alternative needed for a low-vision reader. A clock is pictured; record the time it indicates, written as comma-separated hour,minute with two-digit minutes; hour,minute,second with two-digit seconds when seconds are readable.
9,50
